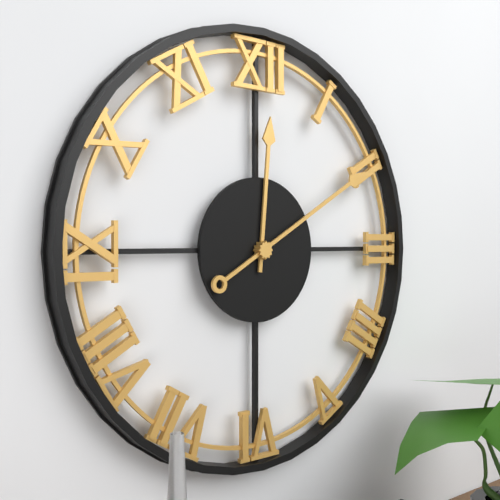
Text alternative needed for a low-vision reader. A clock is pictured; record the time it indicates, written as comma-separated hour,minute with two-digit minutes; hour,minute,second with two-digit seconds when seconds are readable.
12,10
